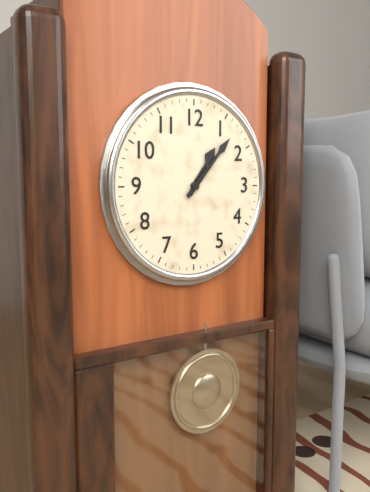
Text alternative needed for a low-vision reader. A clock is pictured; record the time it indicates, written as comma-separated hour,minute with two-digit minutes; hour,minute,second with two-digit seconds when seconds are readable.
1,07
